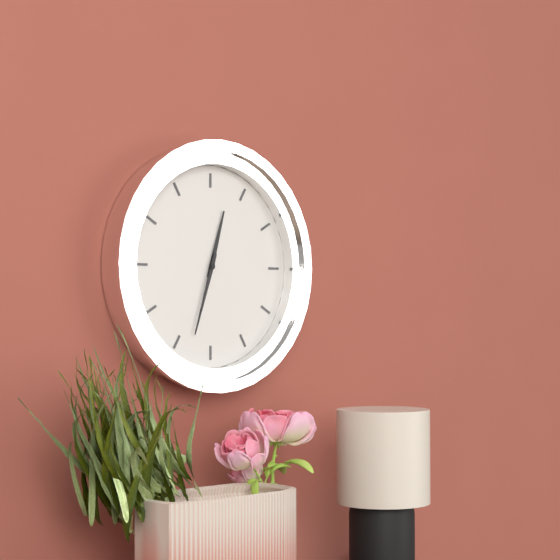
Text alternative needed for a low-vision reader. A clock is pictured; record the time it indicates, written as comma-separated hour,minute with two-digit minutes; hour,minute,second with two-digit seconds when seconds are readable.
12,33
